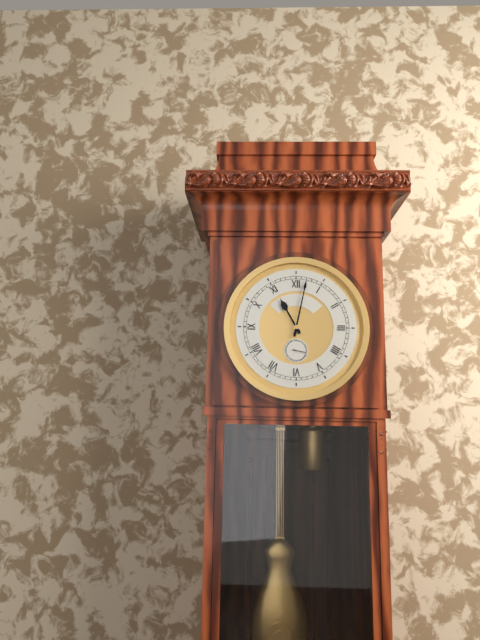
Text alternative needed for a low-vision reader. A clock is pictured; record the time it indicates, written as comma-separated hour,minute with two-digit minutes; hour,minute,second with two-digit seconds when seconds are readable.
11,02
